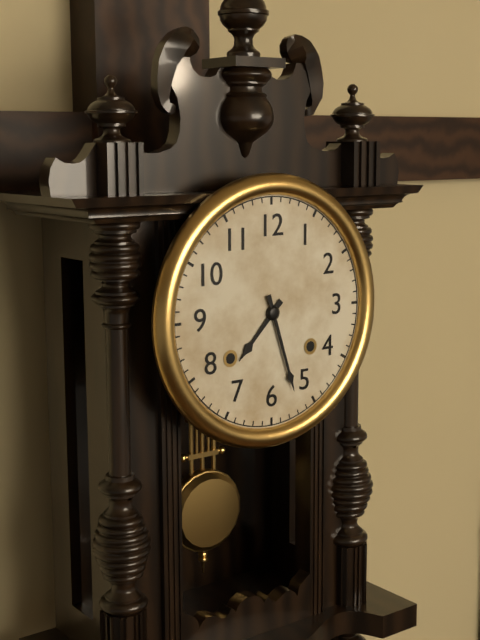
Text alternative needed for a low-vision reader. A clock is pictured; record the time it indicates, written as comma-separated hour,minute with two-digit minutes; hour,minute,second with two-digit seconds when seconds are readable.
7,27
